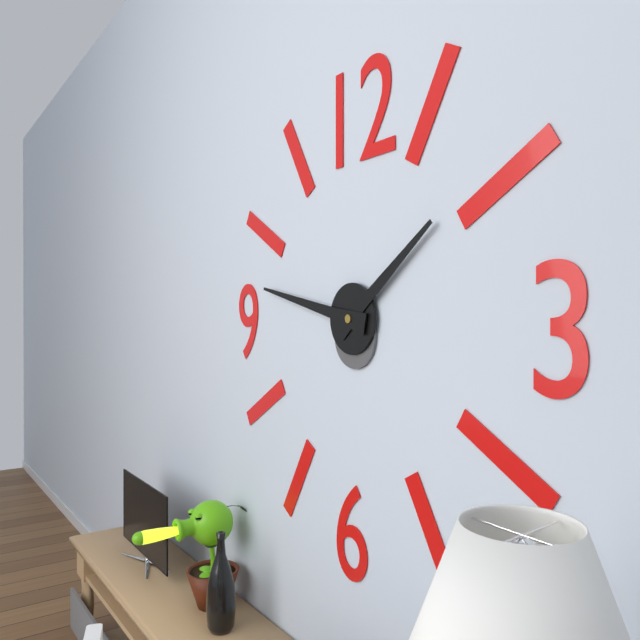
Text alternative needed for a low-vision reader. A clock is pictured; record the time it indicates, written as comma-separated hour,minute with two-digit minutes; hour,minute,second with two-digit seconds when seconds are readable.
1,47
